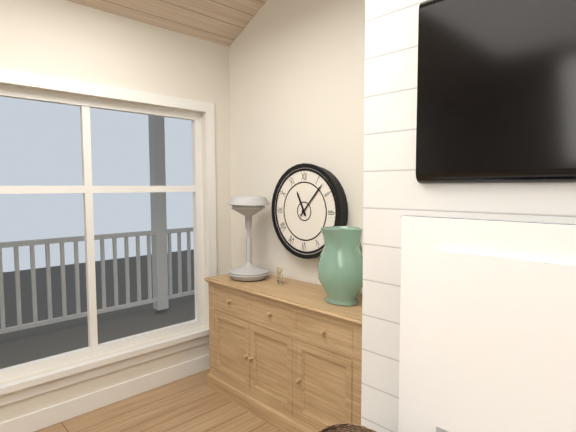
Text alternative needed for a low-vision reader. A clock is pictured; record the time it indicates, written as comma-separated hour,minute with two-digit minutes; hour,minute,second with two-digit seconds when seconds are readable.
11,07
